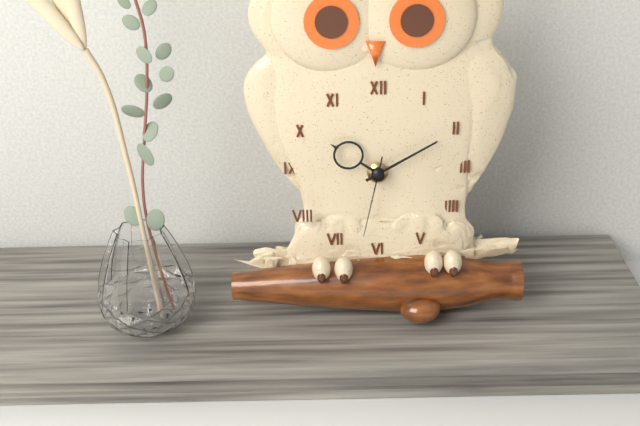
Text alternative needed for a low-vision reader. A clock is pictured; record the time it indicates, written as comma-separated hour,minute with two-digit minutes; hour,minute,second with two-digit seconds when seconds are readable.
10,10,32
